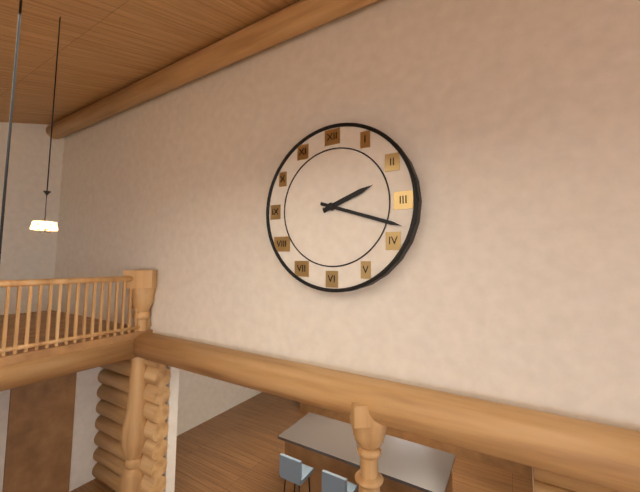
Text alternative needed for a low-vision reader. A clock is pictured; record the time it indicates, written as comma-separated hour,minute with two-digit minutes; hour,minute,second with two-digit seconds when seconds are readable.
2,18
